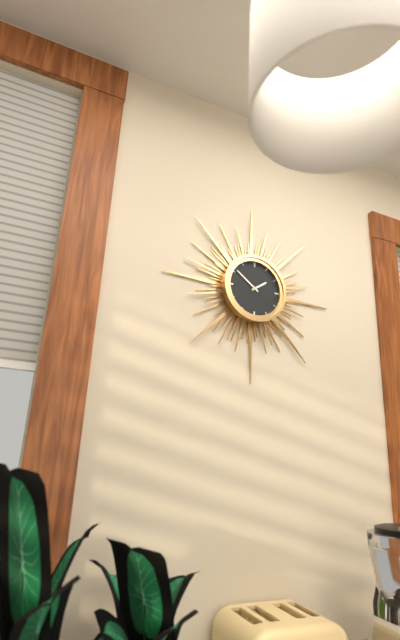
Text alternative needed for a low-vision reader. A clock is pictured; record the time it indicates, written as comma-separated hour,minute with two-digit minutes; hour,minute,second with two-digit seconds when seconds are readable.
1,51
